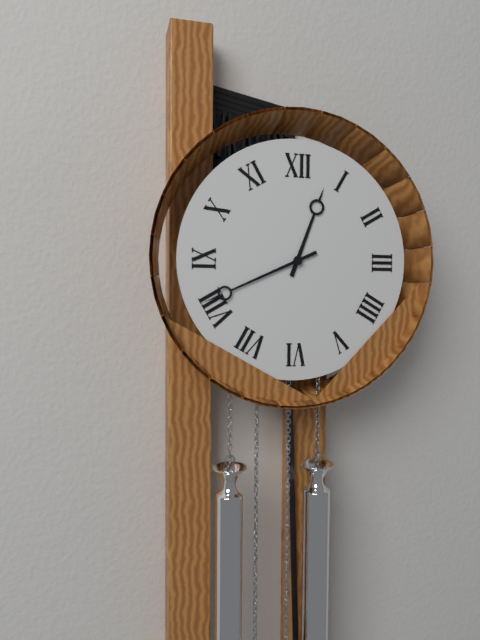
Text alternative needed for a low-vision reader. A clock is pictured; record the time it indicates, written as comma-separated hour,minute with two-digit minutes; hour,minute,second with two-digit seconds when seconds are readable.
12,41
